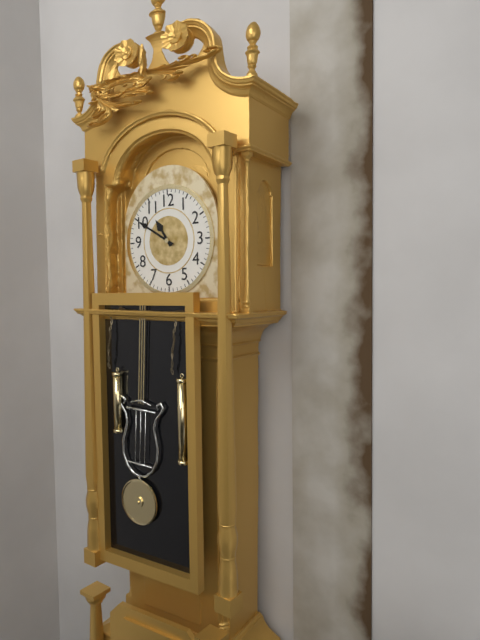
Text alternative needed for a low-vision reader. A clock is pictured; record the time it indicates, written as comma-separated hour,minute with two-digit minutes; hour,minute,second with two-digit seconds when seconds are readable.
10,50
